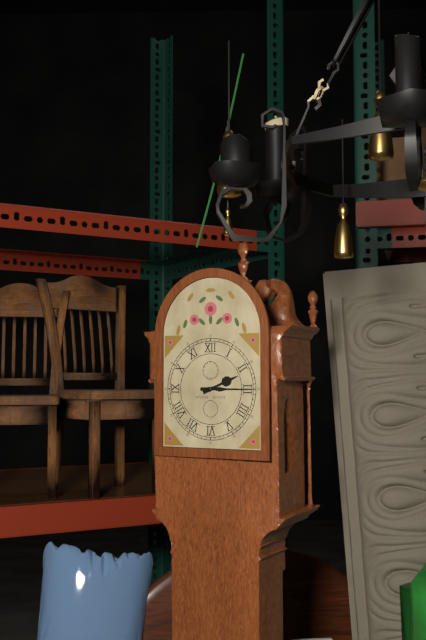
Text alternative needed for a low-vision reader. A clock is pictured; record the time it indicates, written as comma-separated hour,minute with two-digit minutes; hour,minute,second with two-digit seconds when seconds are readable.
2,15
